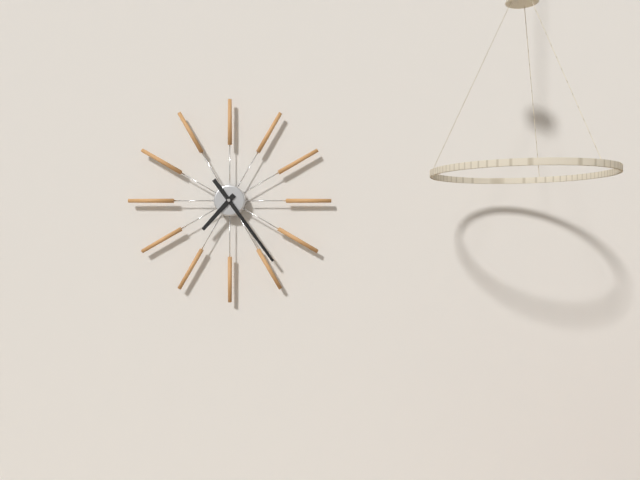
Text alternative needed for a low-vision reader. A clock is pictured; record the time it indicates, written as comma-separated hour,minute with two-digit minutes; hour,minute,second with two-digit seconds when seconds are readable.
7,24
